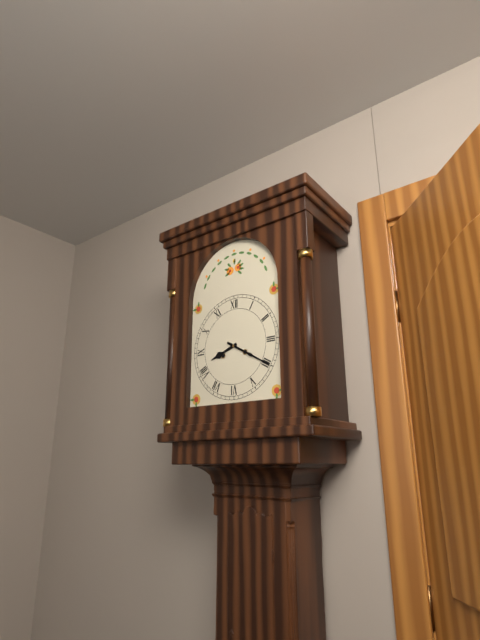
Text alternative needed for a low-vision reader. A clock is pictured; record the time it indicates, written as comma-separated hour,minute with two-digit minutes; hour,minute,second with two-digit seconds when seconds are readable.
8,20
